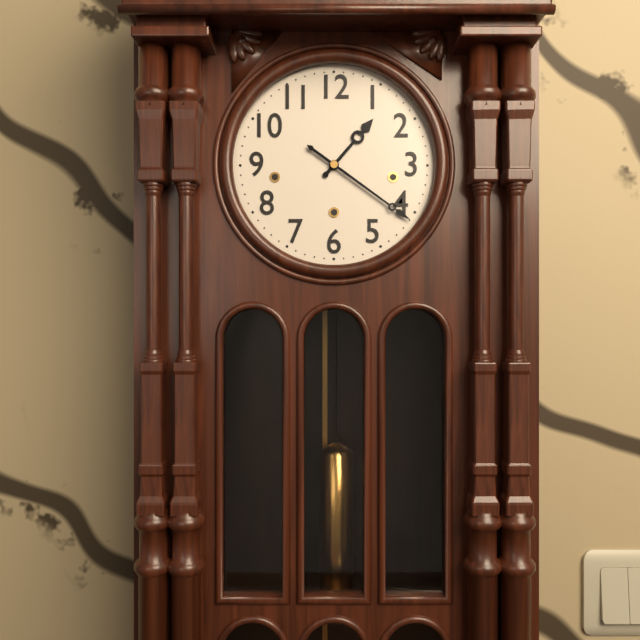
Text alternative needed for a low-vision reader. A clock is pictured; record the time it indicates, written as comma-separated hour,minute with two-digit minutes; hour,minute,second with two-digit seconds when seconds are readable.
1,21
